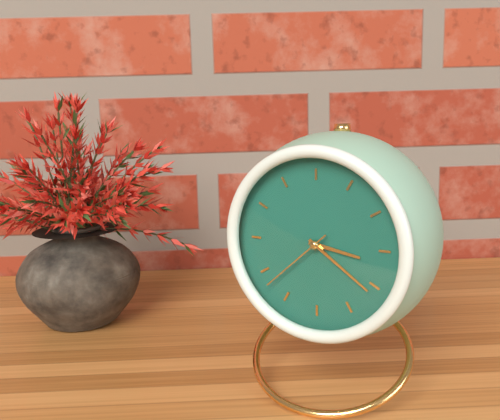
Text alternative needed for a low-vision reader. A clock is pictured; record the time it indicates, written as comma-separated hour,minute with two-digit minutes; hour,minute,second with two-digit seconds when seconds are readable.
3,21,38
